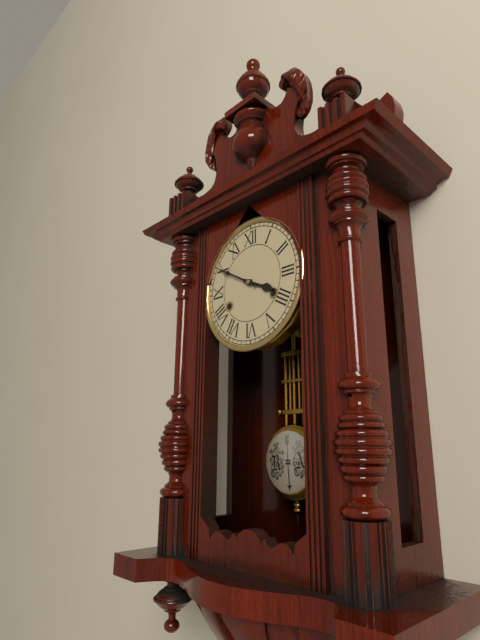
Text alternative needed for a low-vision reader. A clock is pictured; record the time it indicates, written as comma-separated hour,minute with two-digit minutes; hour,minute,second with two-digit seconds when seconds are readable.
3,50
